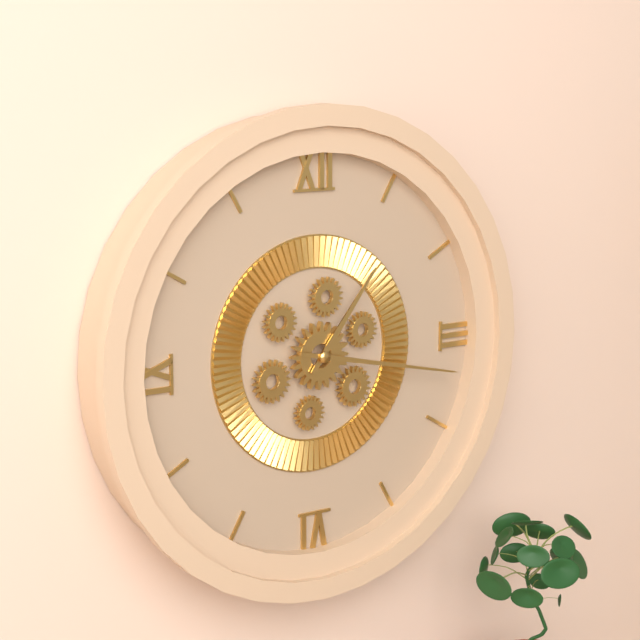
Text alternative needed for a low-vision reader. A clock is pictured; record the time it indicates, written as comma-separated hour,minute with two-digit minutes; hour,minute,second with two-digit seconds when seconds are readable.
1,17
